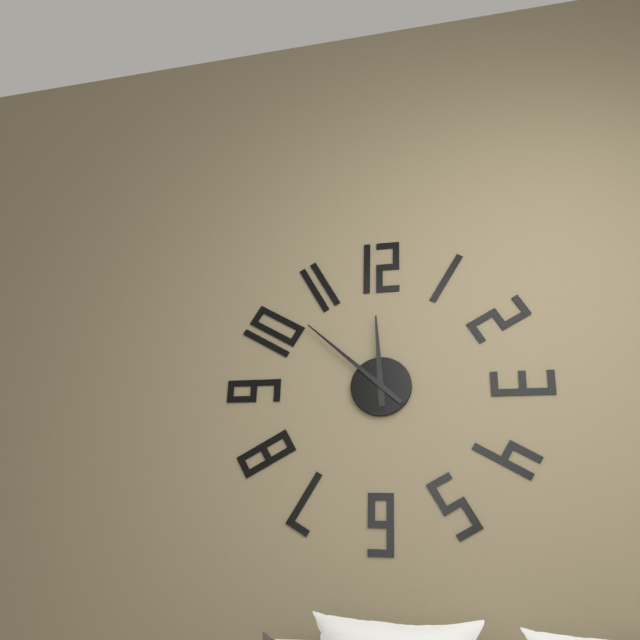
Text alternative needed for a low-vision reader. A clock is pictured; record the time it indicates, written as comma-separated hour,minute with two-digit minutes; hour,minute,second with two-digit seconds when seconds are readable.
11,52
